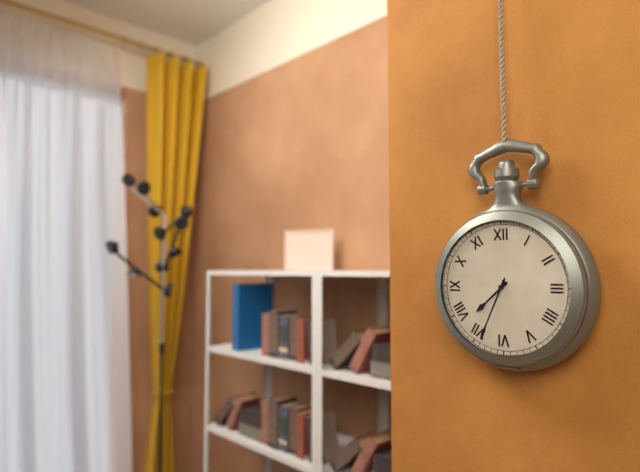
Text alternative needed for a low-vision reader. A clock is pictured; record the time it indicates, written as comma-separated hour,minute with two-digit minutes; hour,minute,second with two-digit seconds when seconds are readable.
7,34
